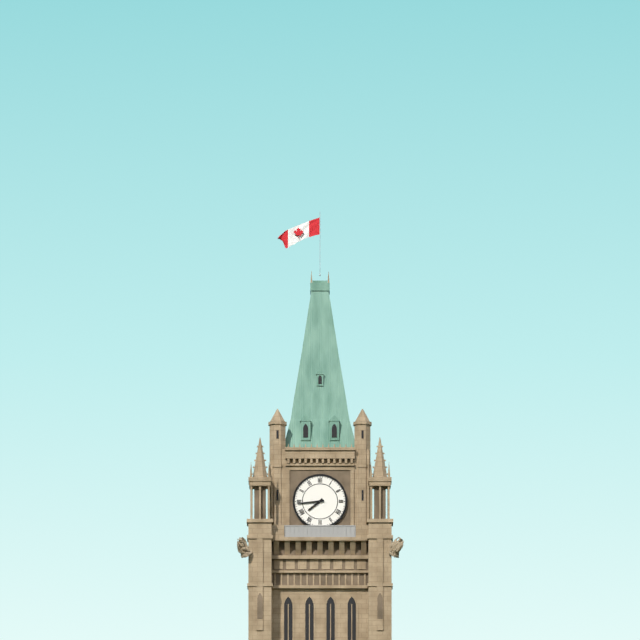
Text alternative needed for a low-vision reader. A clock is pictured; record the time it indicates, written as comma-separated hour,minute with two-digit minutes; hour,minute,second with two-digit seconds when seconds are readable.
7,44
